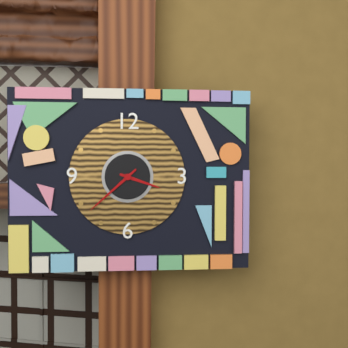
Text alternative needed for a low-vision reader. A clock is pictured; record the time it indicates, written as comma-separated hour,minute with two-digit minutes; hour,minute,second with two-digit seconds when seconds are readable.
3,38
